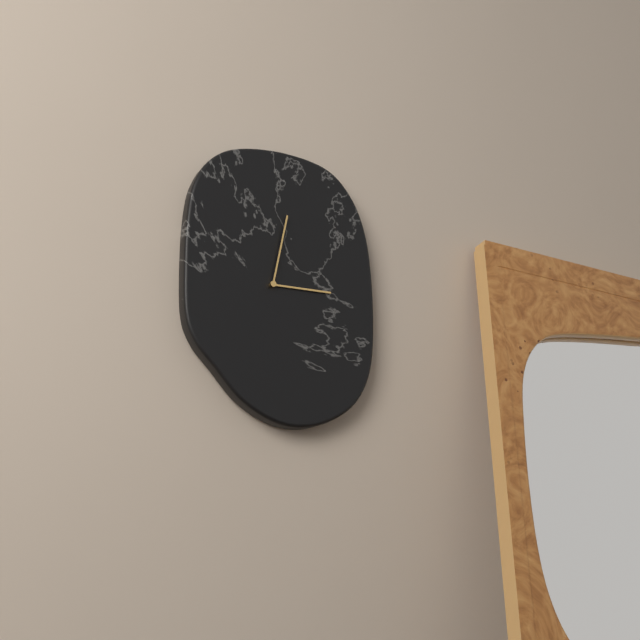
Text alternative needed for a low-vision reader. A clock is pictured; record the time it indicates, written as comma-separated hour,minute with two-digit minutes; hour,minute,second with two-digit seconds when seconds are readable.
3,02
